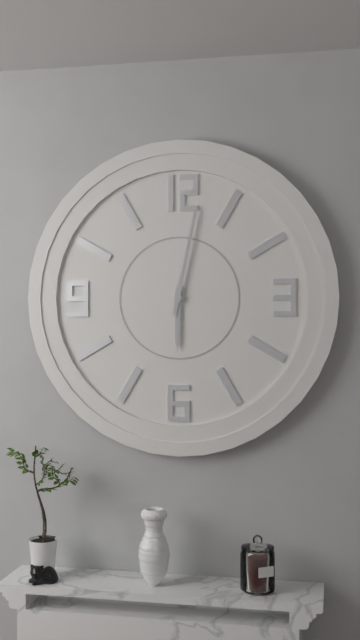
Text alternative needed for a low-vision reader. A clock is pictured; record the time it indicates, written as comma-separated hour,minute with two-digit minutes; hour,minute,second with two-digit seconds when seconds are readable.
6,02
